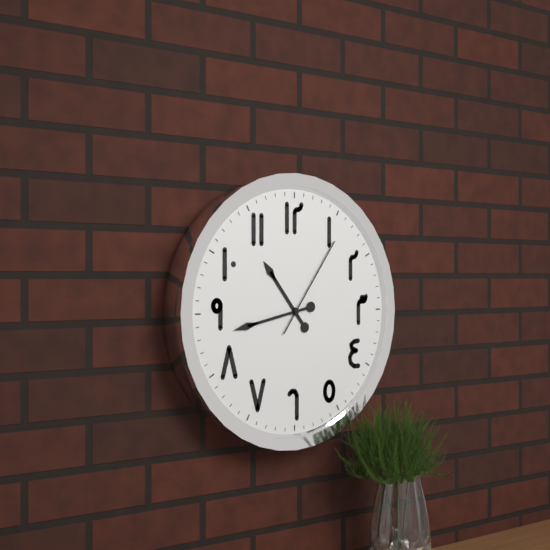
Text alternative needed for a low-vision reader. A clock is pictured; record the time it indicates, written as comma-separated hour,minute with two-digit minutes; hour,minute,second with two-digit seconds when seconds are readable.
10,43,06
